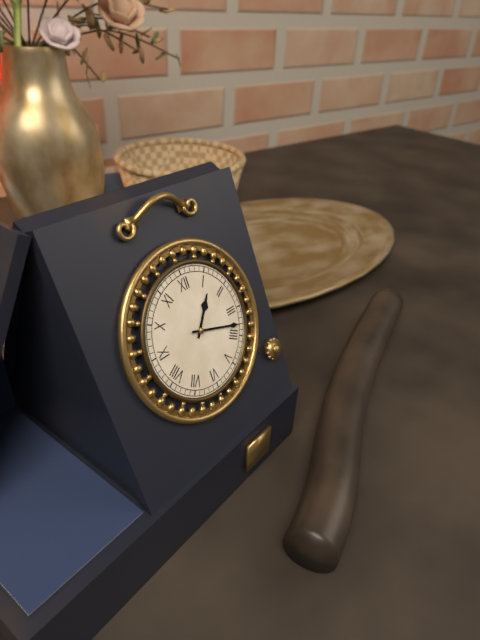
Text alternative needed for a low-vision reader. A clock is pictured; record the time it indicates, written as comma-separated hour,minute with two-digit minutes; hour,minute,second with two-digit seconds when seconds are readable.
1,18
